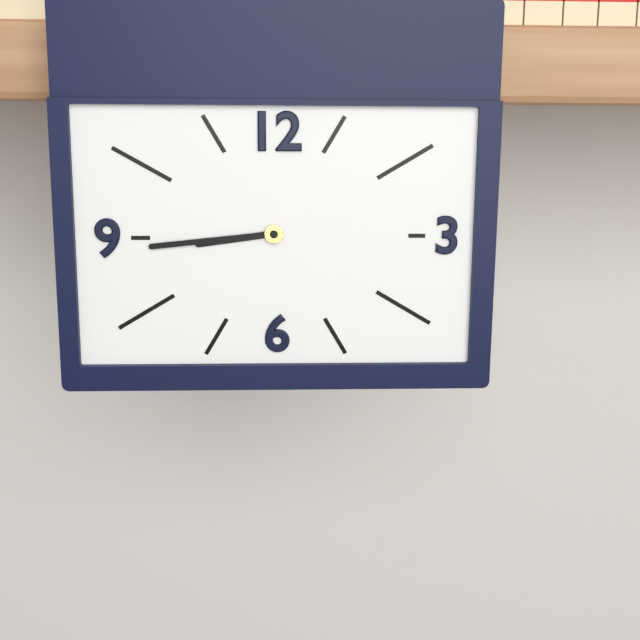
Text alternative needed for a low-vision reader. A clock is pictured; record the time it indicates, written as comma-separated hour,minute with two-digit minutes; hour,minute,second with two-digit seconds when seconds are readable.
8,44
